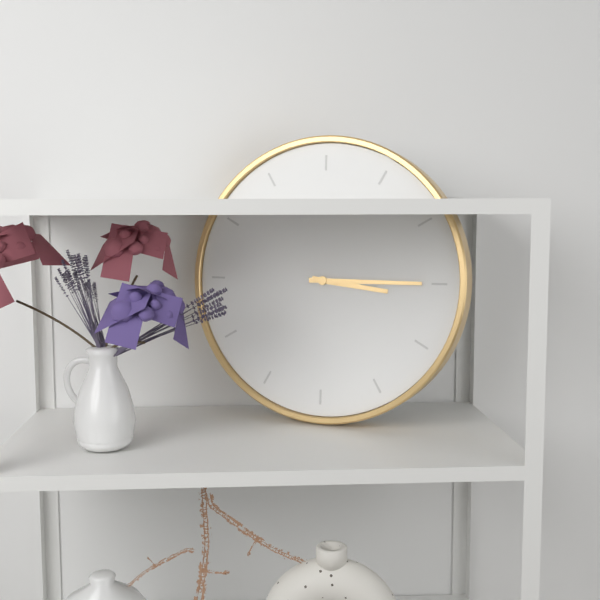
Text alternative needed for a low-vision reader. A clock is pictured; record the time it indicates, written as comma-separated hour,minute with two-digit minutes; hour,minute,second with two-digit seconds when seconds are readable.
3,15
